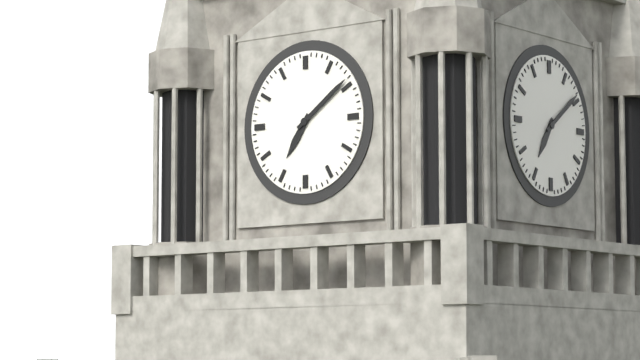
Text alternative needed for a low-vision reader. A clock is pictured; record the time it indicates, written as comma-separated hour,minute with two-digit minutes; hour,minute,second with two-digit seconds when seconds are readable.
7,09
